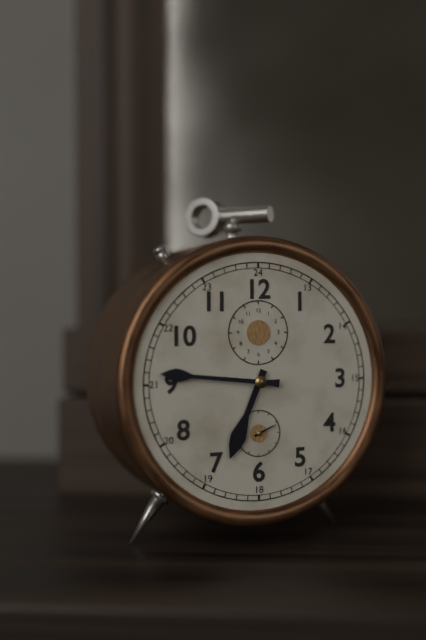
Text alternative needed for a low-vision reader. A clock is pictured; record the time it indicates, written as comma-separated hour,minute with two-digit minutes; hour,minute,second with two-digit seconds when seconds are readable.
6,46
